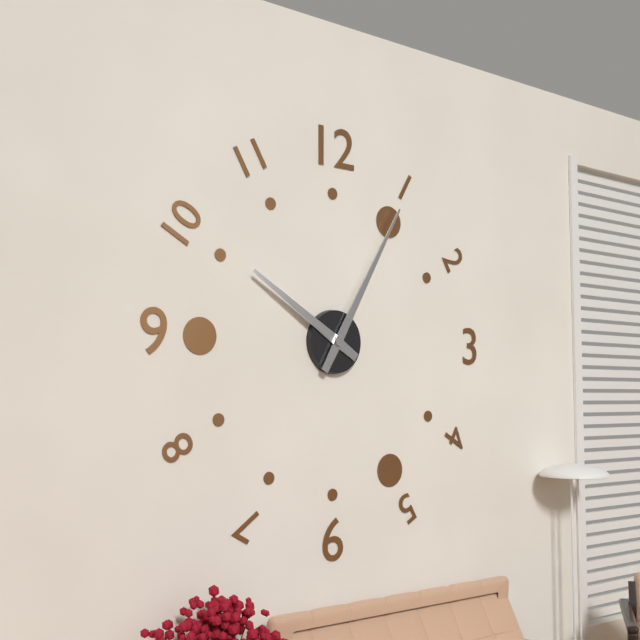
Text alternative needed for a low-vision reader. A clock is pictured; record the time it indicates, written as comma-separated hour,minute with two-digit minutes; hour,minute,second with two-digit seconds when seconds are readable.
10,05
